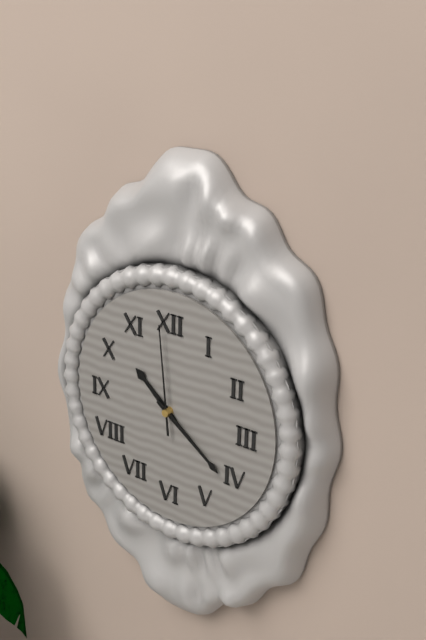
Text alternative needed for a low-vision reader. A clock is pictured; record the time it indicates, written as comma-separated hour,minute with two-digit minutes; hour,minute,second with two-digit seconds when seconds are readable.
10,21,59
